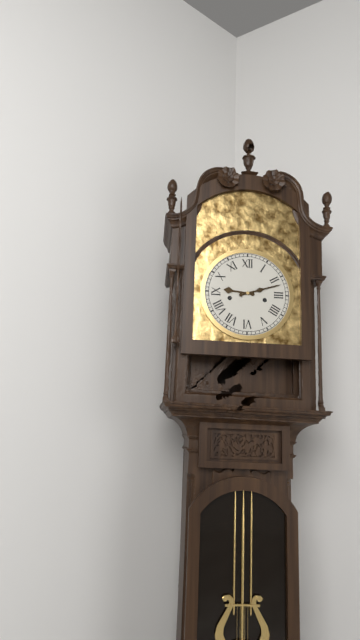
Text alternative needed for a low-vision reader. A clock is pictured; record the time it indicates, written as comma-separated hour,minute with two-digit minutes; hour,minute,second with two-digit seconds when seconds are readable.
9,12
